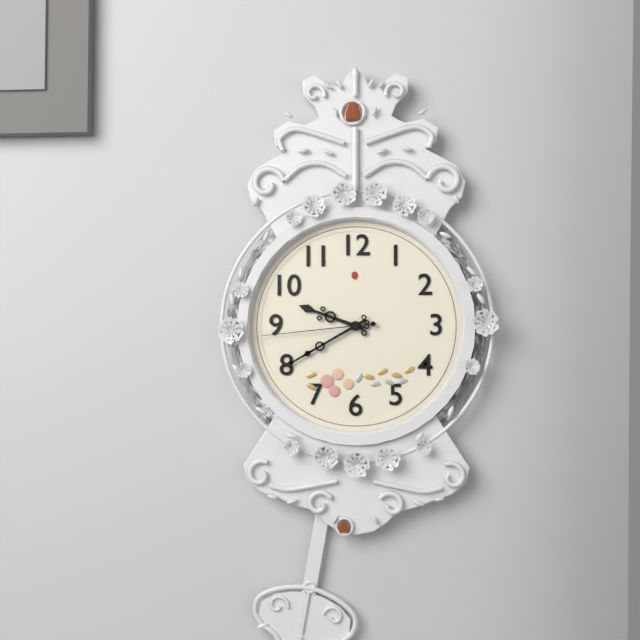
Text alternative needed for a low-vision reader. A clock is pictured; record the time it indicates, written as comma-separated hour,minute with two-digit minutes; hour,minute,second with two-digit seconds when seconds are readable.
9,40,44
